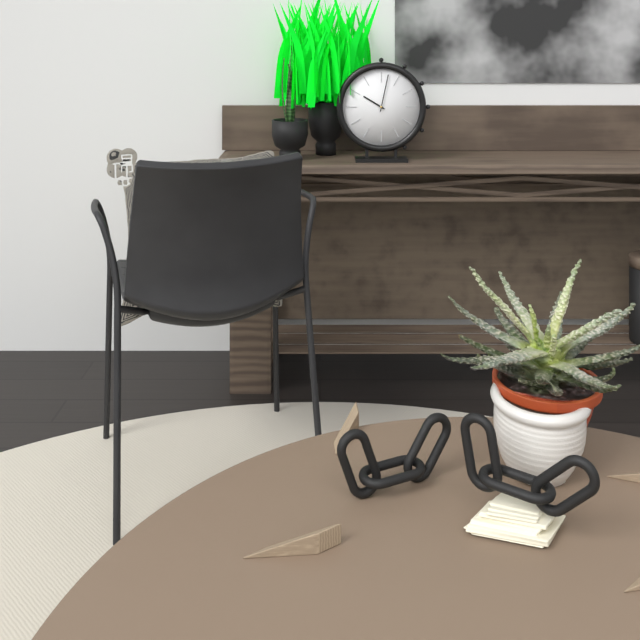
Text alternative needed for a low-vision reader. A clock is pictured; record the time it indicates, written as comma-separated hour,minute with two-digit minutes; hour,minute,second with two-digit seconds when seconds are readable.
10,02
